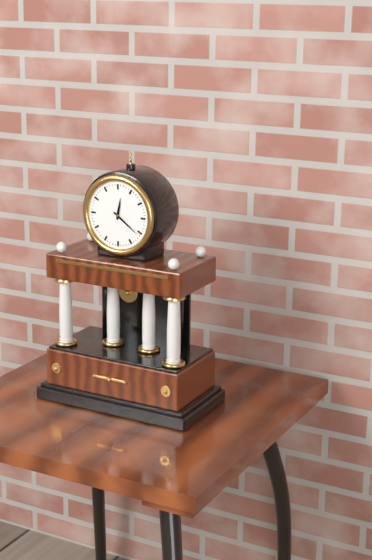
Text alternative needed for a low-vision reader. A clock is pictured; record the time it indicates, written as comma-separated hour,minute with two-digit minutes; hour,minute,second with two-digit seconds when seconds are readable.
12,21
